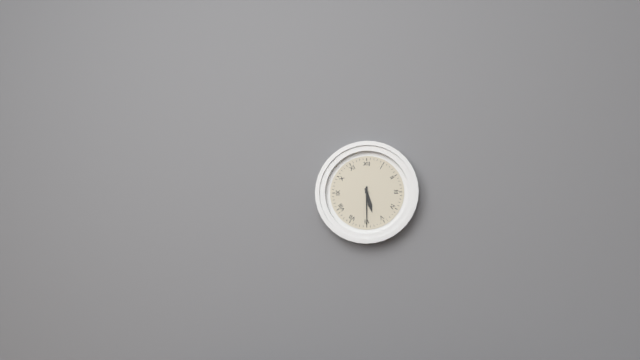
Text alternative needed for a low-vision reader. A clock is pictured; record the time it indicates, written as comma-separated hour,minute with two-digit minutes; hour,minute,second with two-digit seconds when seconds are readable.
5,30
